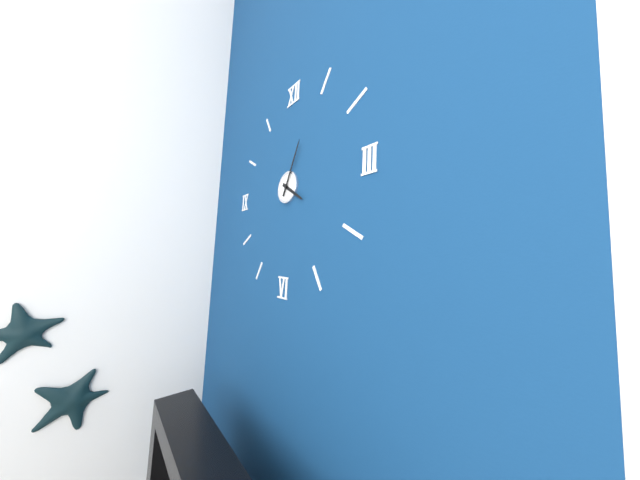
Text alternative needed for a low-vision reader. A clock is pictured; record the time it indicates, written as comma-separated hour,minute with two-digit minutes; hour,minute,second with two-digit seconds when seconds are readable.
4,04
